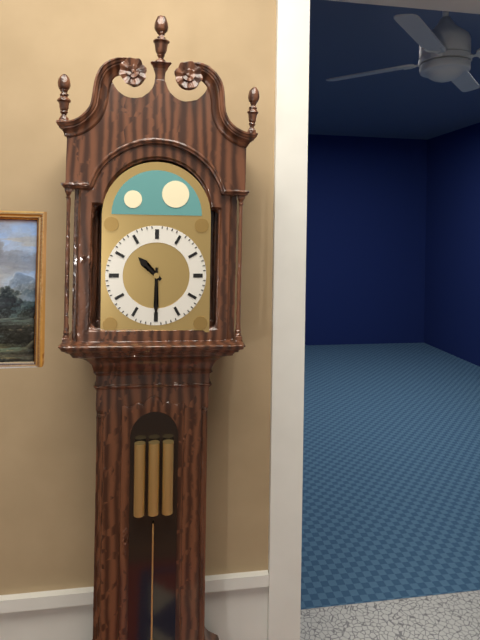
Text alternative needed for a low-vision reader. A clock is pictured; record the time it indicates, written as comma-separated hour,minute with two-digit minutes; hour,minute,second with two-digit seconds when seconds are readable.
10,30
